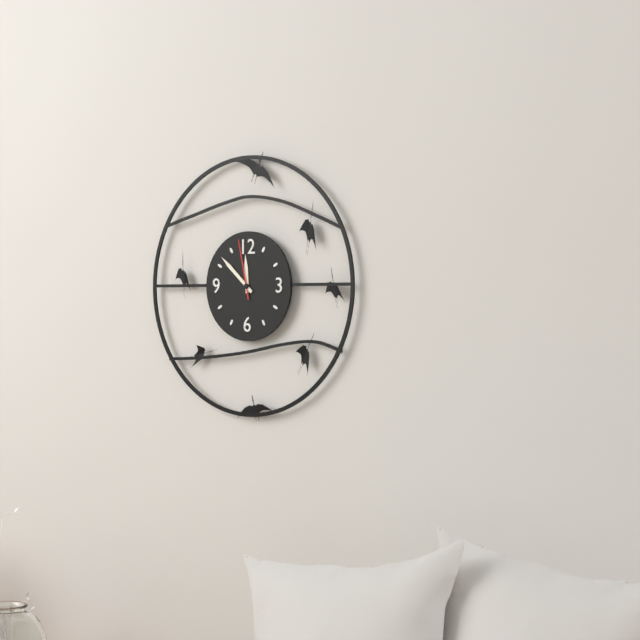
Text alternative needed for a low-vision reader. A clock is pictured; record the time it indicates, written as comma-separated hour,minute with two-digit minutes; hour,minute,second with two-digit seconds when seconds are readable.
11,52,58
